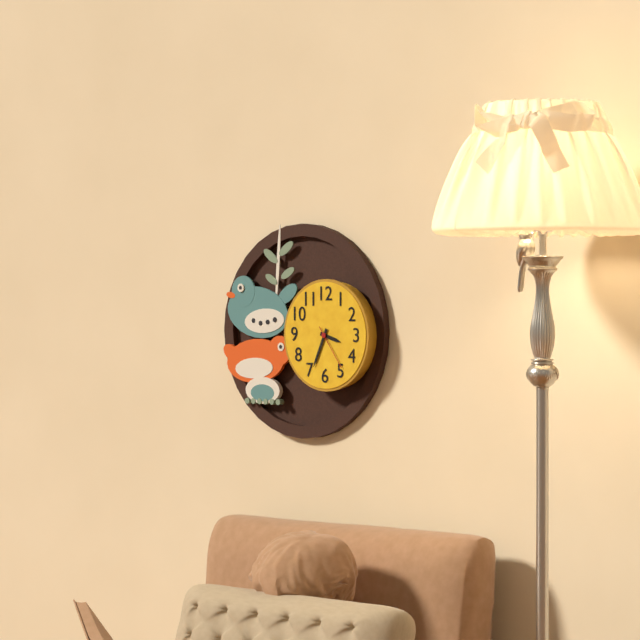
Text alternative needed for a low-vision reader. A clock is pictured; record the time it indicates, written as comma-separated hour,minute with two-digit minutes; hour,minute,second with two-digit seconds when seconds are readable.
3,34
